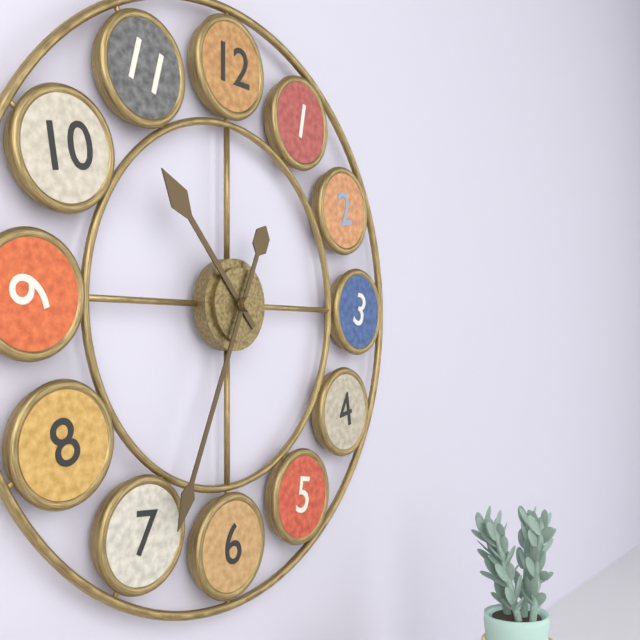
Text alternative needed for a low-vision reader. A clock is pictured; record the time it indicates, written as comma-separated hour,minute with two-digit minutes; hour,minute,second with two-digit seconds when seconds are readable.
10,34
